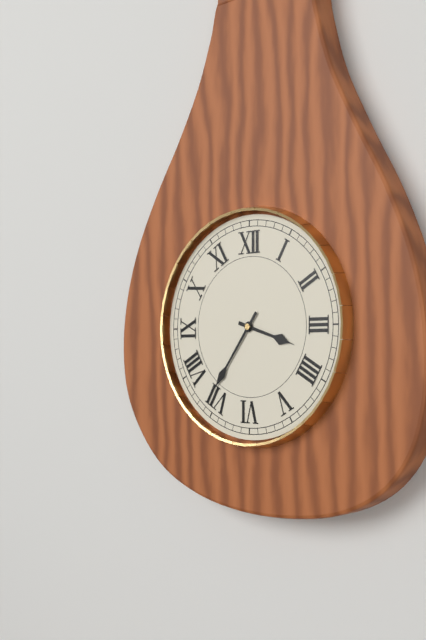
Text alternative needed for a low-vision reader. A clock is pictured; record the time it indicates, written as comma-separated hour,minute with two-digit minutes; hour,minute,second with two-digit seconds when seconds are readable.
3,36
